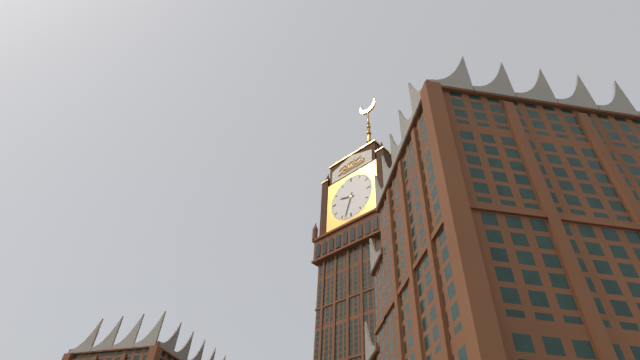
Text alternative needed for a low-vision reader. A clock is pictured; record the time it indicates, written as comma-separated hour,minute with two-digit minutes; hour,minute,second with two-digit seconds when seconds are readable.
9,33
